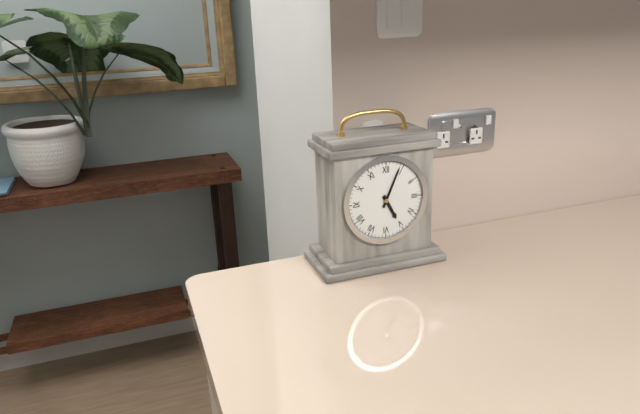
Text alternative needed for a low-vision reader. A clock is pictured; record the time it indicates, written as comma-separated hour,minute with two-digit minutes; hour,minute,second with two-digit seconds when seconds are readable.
5,04
